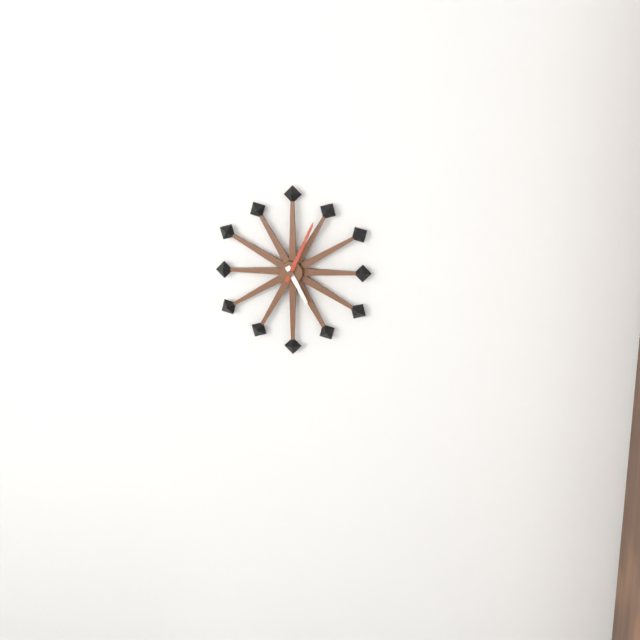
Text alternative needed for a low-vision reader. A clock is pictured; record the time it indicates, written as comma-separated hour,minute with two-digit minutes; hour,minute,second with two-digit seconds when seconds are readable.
5,04
